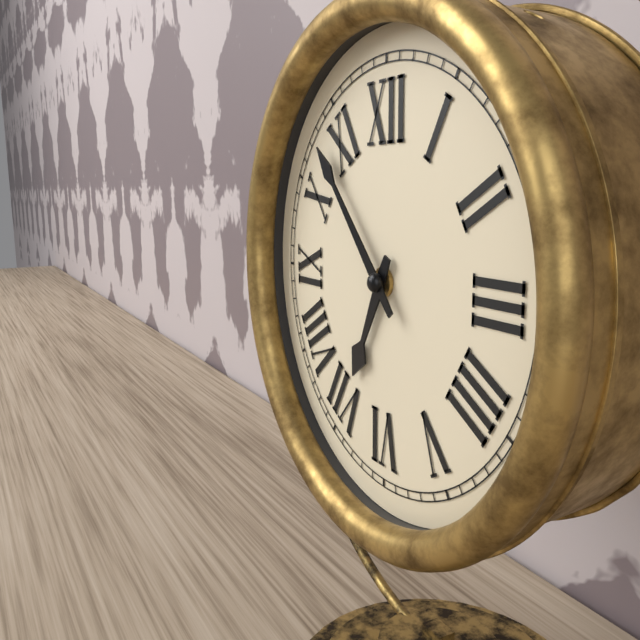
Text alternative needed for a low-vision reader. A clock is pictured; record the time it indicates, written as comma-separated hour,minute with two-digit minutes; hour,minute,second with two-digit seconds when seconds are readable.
6,53
